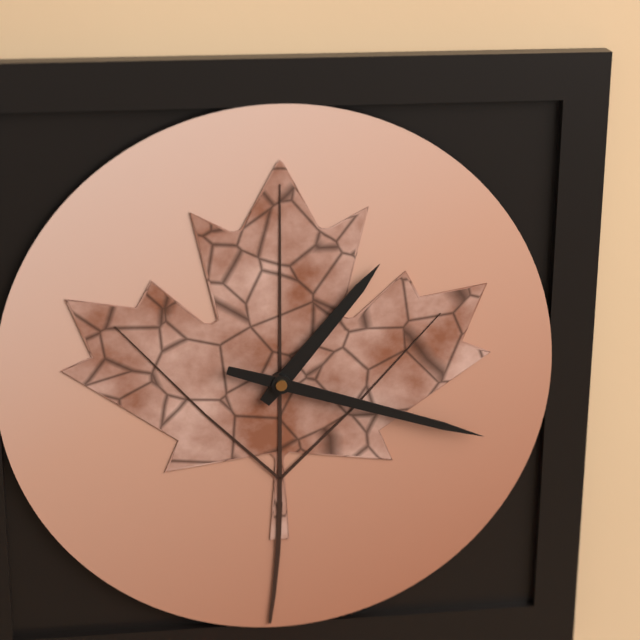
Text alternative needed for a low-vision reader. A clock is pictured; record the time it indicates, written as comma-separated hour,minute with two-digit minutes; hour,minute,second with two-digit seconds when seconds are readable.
1,18
